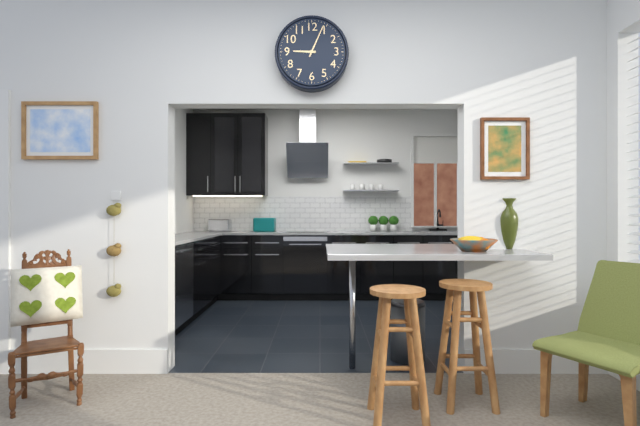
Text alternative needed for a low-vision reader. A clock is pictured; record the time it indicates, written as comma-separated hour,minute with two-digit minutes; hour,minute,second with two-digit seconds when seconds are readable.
9,04
